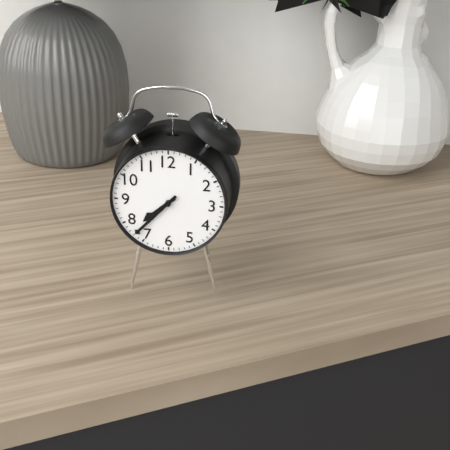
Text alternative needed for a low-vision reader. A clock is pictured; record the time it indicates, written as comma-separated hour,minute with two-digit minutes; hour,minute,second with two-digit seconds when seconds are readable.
7,37
